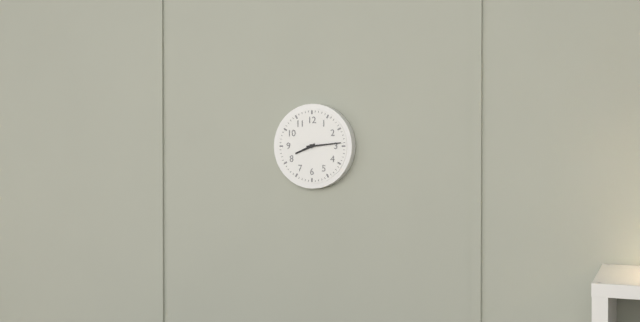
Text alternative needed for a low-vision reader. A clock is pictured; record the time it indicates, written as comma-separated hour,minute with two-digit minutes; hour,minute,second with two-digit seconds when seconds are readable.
8,14
